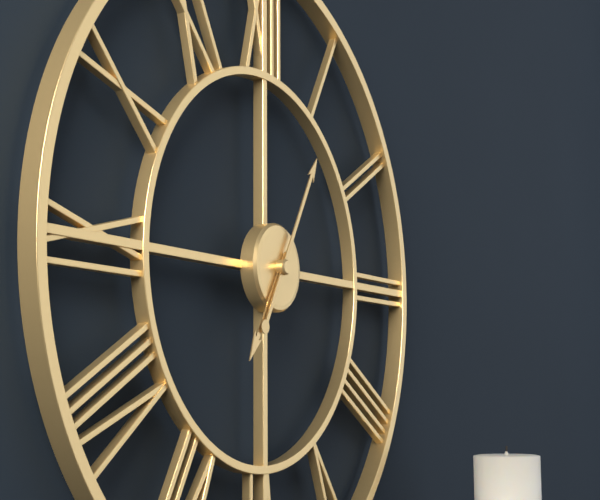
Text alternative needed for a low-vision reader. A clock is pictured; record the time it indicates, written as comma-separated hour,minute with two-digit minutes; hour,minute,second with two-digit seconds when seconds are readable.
7,05
